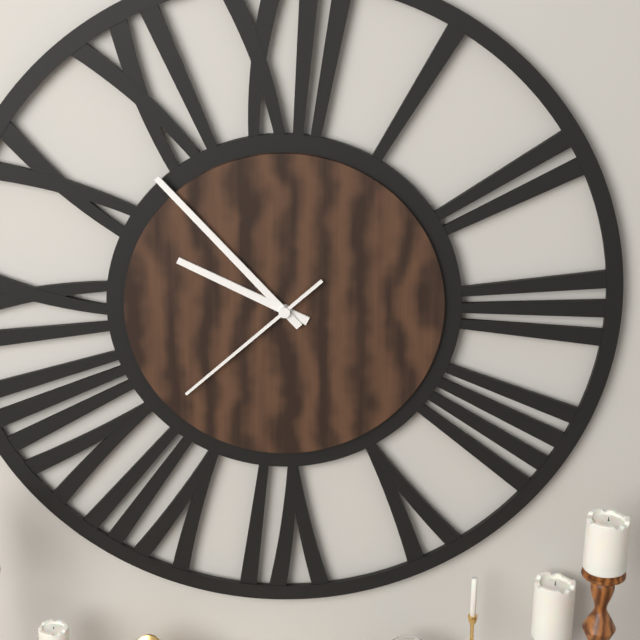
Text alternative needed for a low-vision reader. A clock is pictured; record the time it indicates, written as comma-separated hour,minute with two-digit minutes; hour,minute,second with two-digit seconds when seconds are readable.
9,53,38
